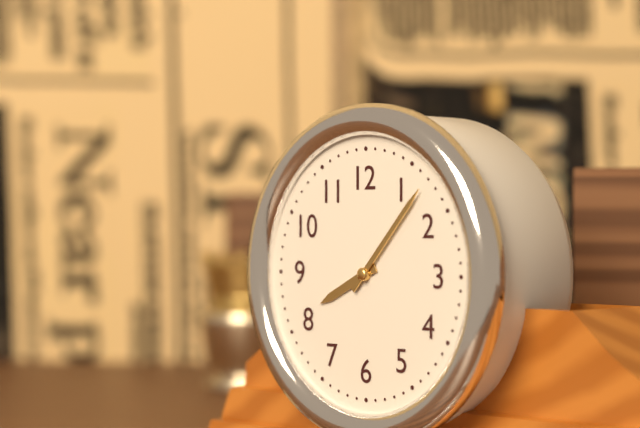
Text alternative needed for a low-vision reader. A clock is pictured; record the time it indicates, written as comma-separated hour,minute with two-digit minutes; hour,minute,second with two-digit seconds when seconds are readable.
8,07
